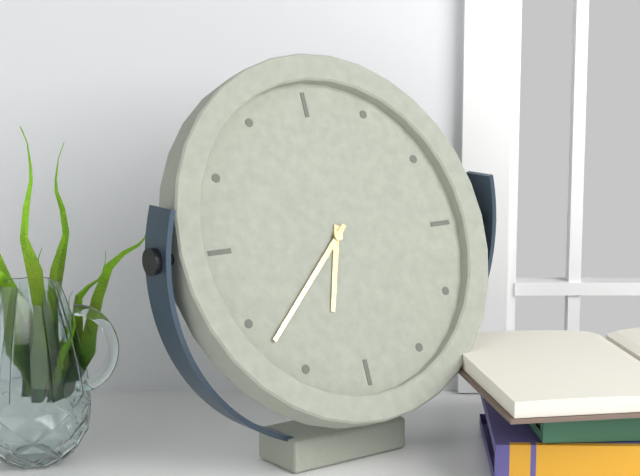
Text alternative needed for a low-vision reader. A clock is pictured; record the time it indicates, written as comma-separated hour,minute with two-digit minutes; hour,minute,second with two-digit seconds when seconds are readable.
6,38
